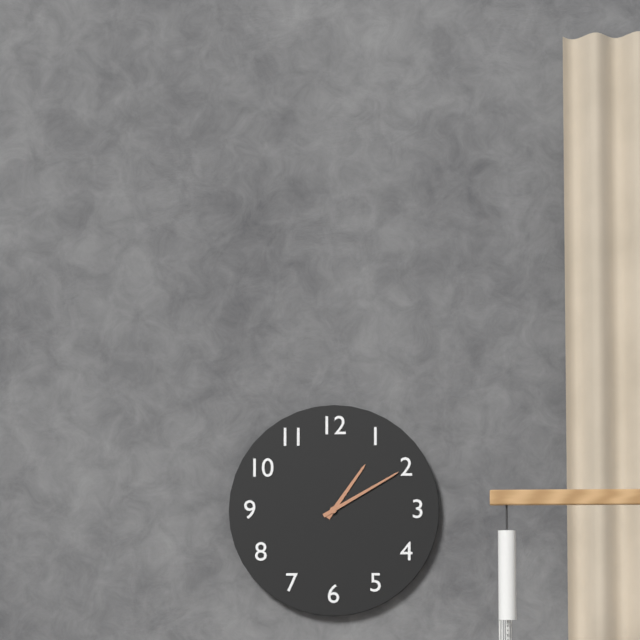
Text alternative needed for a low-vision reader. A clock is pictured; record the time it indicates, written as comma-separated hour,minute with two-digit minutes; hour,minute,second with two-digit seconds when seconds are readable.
1,10
